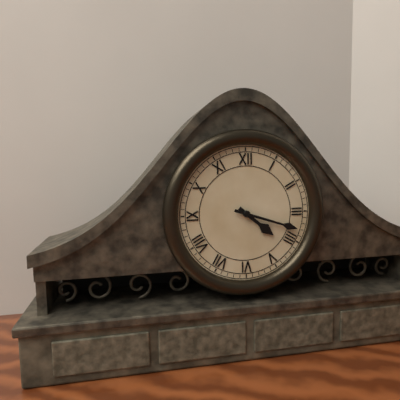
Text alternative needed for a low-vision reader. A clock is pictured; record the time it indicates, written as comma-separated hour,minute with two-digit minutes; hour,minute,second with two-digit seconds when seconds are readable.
4,18
